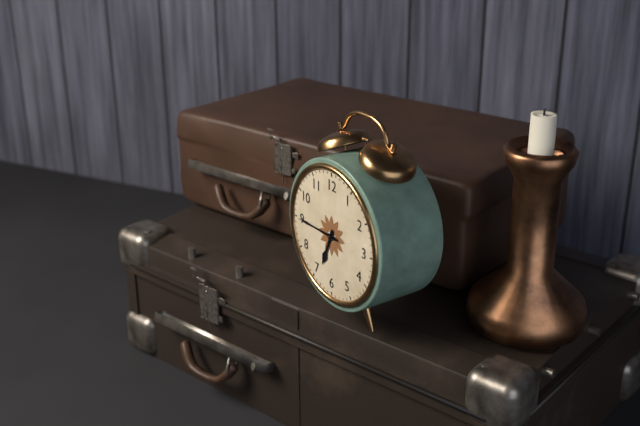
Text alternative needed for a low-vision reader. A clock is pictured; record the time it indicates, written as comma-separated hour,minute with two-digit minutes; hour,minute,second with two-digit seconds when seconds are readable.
6,45
